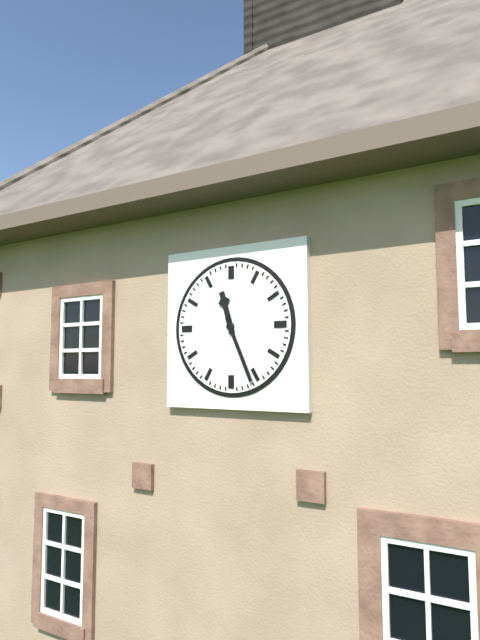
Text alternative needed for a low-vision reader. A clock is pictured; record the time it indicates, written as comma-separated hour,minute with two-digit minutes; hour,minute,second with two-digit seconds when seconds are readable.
11,26
